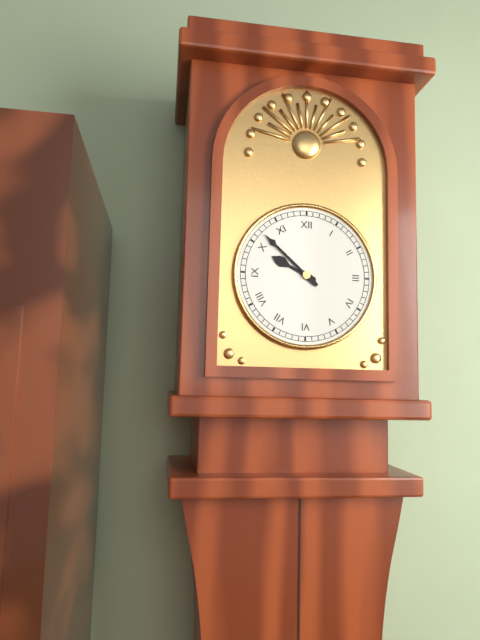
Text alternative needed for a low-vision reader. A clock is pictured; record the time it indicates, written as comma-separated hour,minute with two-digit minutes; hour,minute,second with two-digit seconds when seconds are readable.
9,52
